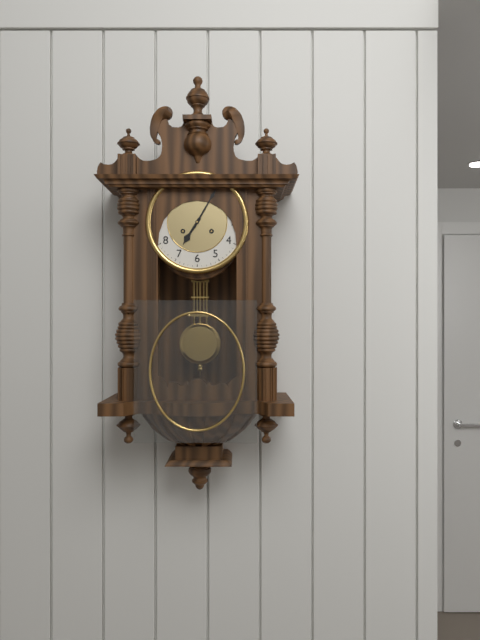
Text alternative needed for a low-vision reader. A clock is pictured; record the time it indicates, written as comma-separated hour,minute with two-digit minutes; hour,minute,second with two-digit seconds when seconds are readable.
7,05
